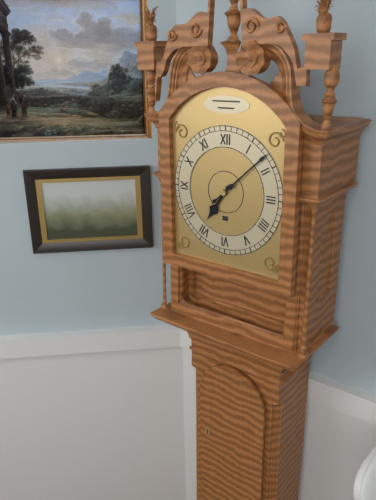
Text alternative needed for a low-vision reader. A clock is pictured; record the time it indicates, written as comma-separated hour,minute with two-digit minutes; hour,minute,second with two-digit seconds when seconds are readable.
7,08
